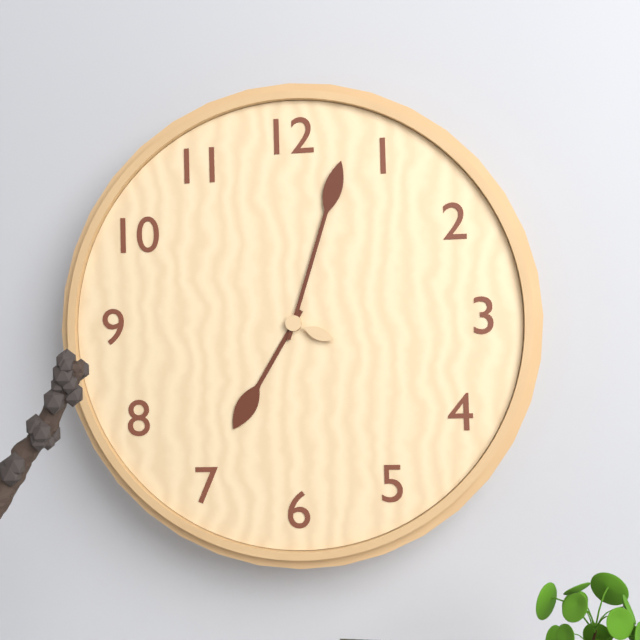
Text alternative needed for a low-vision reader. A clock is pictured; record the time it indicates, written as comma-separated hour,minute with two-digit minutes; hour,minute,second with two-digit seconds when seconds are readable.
7,03
